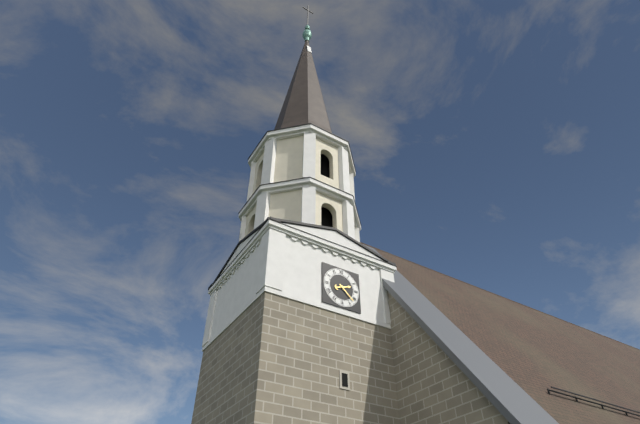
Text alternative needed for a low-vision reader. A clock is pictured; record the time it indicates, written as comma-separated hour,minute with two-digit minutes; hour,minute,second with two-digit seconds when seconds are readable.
2,22
